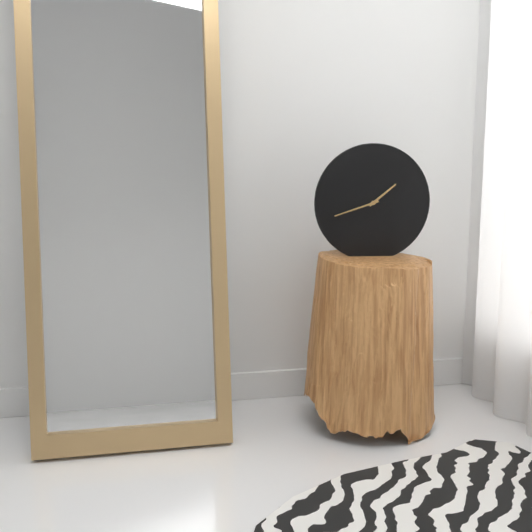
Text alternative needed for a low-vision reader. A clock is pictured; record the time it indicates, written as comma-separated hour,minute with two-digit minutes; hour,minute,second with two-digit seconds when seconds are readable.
1,42
